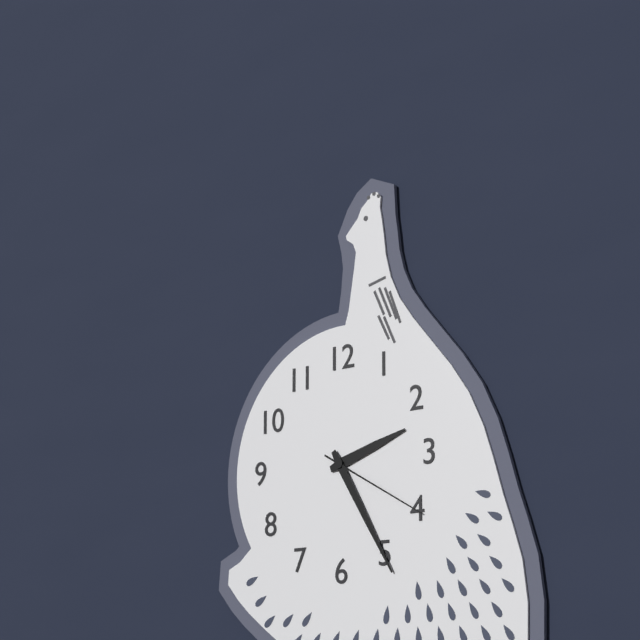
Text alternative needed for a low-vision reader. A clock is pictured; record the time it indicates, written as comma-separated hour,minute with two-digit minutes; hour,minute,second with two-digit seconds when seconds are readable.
2,25,20
